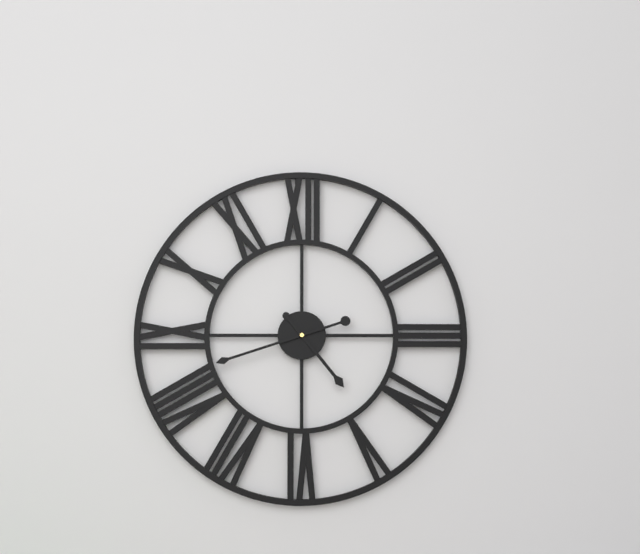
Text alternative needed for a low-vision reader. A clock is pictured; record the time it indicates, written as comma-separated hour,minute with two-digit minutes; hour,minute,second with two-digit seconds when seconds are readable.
4,42
